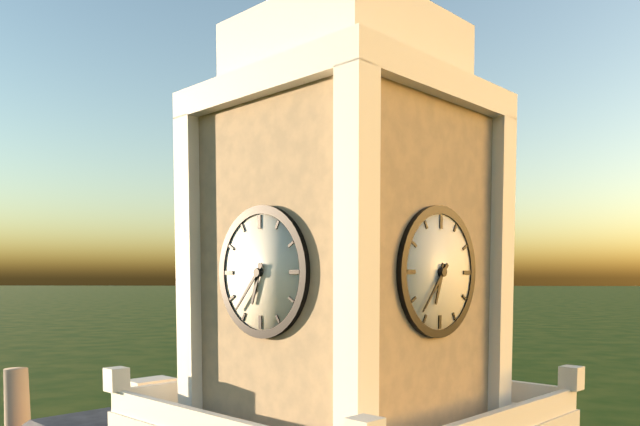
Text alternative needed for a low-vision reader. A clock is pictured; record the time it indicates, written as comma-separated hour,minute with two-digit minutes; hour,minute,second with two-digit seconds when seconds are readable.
6,37
